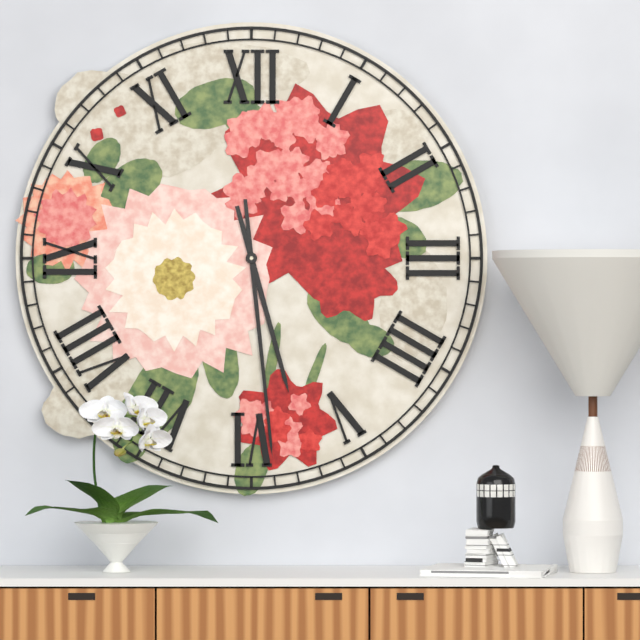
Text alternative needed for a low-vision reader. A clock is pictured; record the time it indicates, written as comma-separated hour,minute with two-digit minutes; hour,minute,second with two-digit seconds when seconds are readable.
5,29
